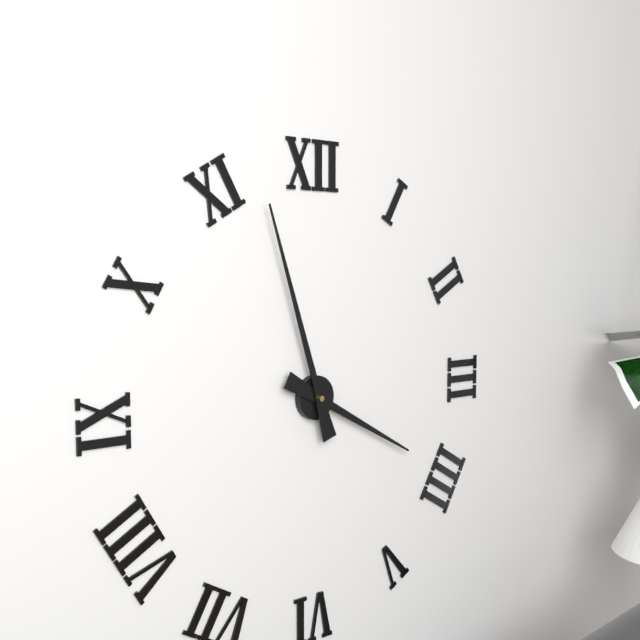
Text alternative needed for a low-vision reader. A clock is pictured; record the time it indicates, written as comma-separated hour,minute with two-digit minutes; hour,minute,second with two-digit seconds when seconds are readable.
3,57
